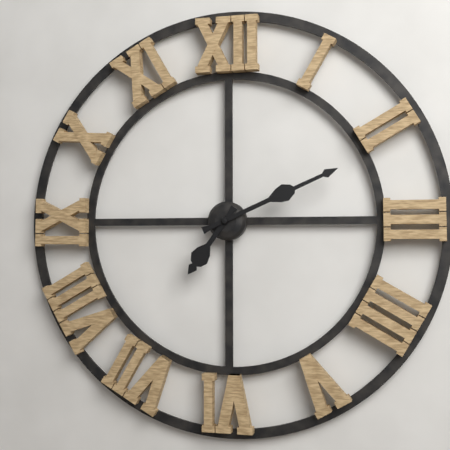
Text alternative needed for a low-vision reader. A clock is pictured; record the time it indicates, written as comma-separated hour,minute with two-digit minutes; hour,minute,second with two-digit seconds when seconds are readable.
7,11
